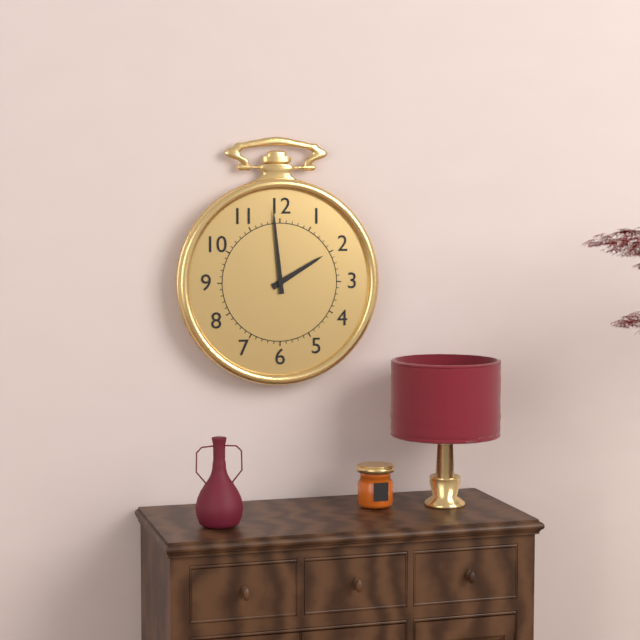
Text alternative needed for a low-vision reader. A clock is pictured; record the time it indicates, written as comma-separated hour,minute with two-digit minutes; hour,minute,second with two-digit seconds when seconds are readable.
1,59
